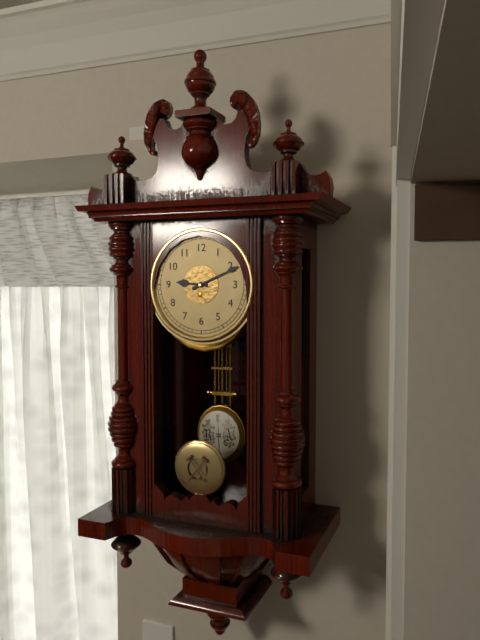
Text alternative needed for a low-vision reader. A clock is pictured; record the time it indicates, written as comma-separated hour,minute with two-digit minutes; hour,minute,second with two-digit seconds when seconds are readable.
9,11
